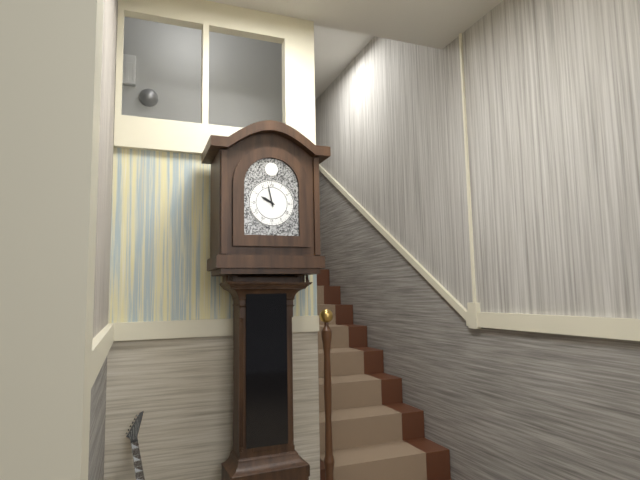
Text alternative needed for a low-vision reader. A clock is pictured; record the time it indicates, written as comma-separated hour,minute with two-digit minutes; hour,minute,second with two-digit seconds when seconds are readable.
9,58
